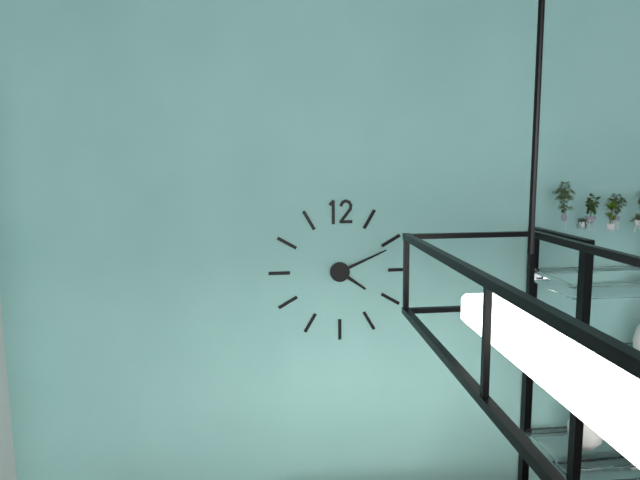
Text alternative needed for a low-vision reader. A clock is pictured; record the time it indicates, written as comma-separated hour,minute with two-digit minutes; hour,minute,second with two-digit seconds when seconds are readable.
4,11
